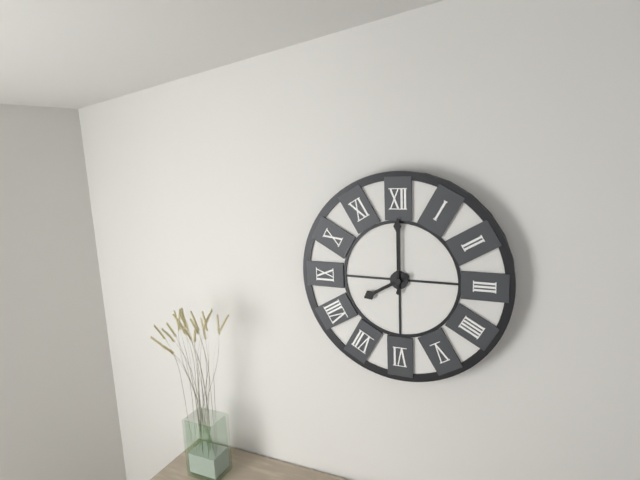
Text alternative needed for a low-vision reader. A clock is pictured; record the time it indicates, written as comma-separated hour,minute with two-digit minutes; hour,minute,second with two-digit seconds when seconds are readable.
8,00
